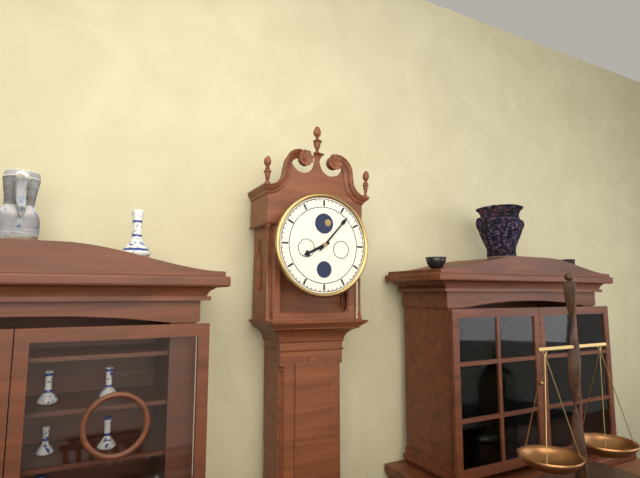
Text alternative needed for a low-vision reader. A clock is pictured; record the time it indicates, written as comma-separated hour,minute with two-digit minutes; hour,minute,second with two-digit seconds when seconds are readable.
8,07
